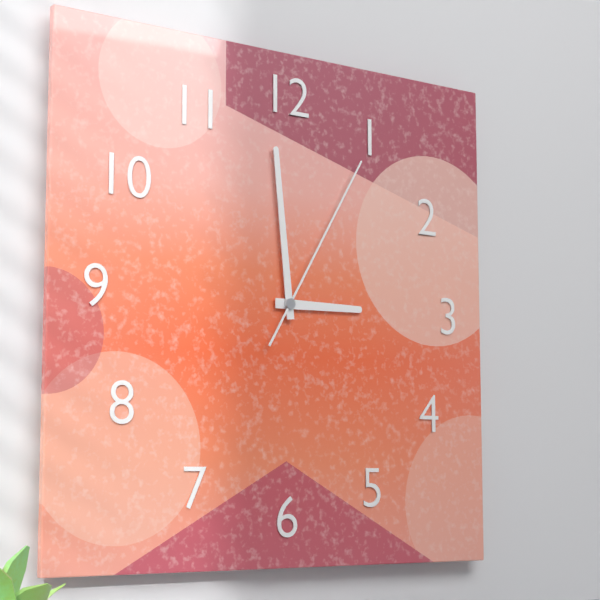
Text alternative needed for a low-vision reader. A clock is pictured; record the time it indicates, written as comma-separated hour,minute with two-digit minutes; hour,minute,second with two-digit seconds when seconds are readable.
2,59,05
